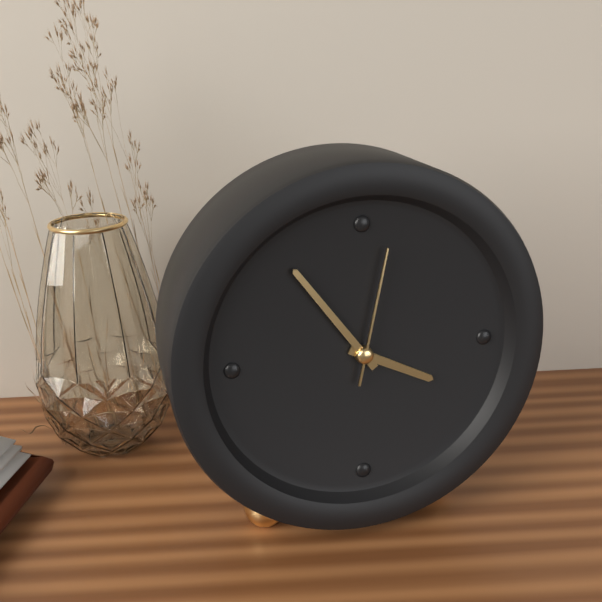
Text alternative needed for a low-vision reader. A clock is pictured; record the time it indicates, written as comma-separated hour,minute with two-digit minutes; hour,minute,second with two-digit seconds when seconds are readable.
3,54,02
